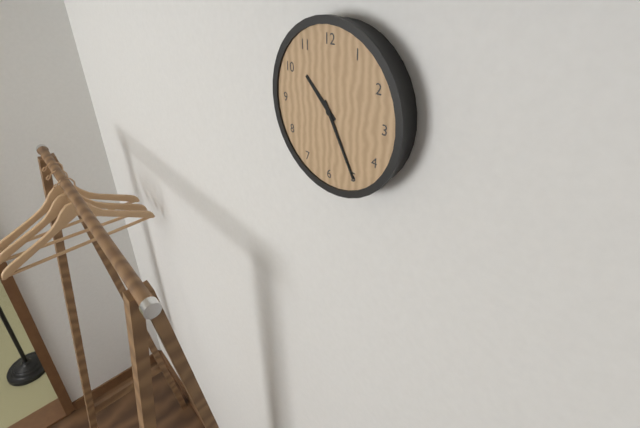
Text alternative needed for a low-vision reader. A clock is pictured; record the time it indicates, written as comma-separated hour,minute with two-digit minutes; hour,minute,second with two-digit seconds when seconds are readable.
10,25
